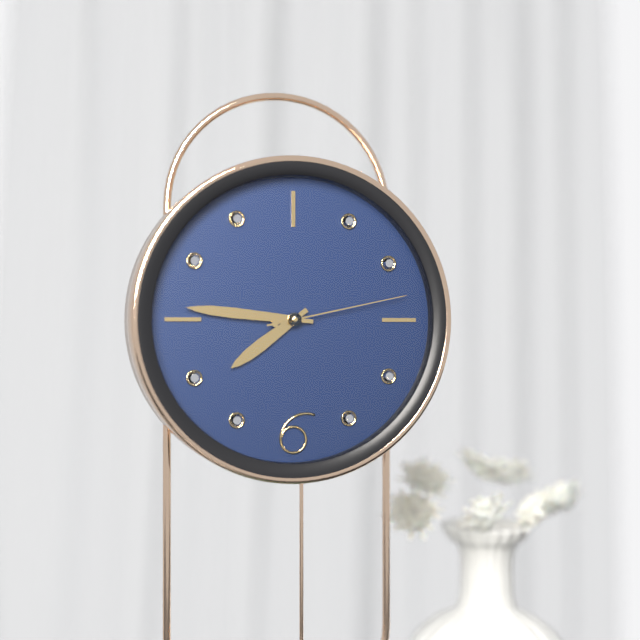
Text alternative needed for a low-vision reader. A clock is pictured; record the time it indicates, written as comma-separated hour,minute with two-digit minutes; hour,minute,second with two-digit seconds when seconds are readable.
7,46,13
